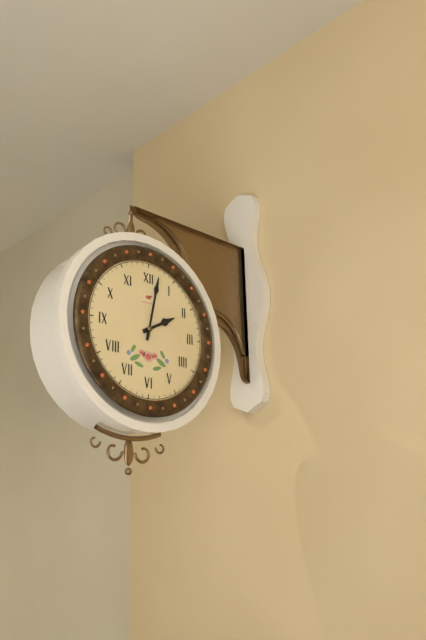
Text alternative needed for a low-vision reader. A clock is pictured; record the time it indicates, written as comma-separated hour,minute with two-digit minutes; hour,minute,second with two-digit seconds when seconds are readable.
2,02
